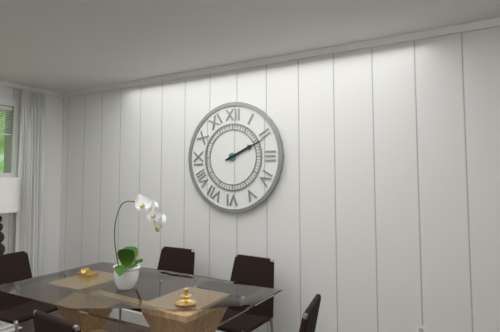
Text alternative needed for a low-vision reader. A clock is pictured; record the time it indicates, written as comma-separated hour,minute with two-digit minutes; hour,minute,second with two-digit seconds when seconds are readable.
2,11
